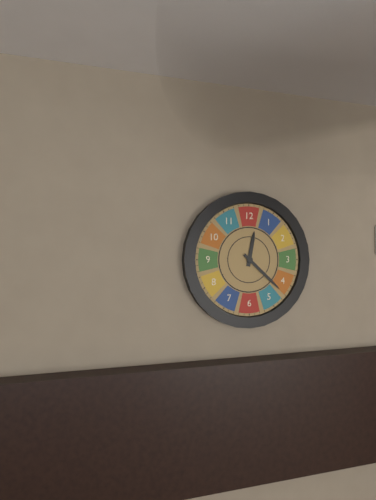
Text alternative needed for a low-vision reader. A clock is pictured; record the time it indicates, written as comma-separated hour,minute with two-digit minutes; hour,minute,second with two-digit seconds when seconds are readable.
12,22
